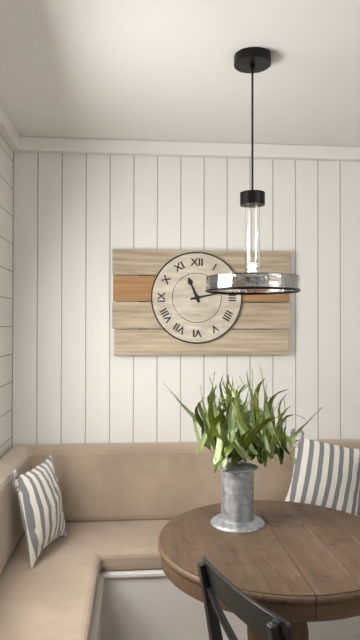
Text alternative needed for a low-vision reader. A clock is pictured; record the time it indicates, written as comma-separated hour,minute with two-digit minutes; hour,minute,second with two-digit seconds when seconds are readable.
11,13
